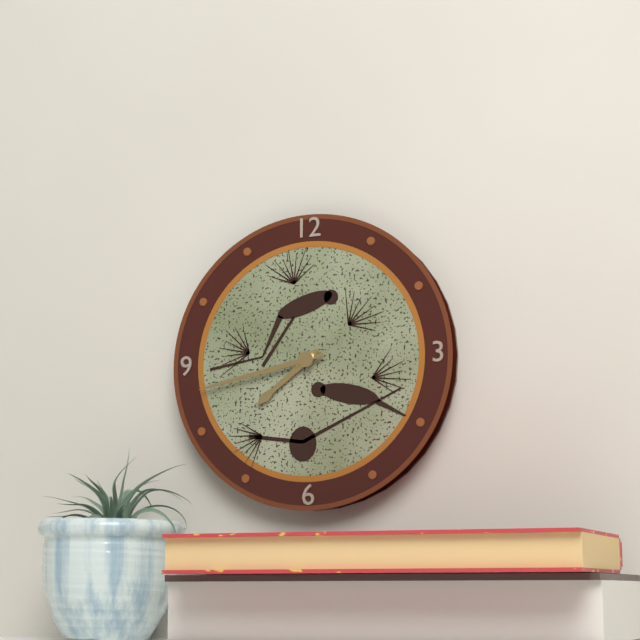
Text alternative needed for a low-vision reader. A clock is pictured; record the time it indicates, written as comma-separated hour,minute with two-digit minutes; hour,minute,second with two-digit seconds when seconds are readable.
7,43
